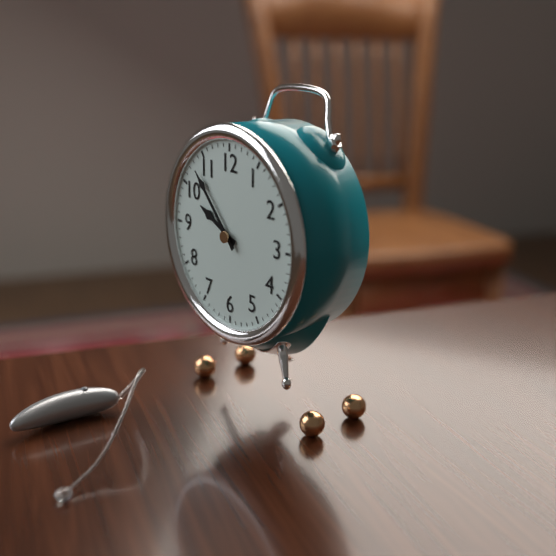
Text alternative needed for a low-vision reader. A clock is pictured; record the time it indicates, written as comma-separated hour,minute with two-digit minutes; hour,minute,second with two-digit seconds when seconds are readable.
9,53
